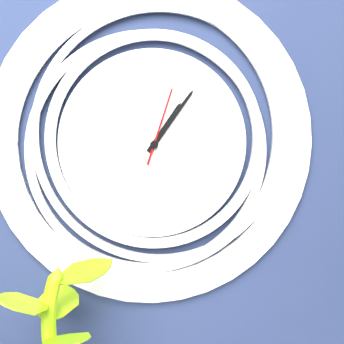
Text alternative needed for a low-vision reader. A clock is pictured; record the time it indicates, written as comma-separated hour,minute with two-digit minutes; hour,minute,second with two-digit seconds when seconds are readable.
1,06,03
